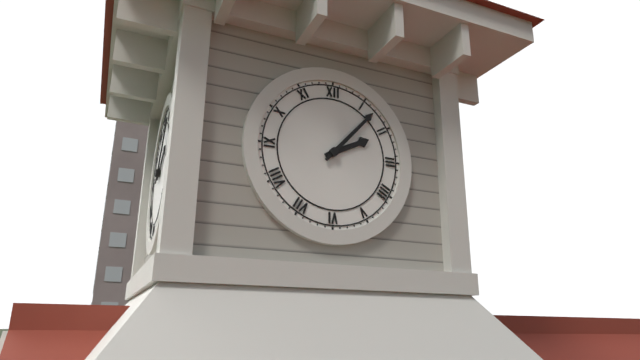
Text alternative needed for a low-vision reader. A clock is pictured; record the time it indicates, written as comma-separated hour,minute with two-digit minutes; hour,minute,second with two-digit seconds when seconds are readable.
2,07
